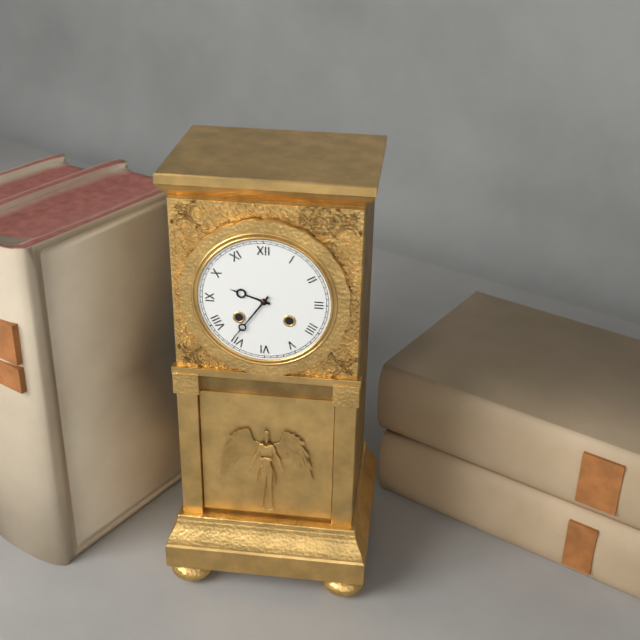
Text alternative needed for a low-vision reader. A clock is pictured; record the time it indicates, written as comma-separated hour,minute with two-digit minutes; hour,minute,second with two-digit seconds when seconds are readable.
9,36
